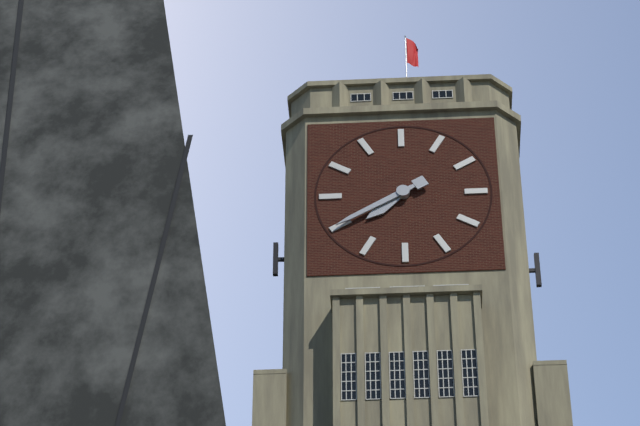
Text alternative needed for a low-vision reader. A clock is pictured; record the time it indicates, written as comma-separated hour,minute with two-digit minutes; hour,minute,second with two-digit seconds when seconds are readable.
7,40
